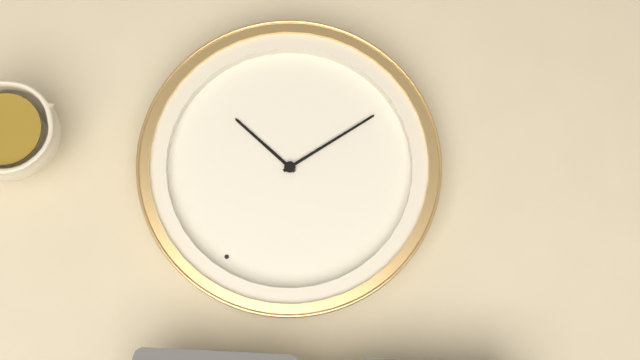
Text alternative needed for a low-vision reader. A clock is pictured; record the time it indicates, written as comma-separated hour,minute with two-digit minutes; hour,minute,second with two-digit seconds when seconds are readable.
2,30
